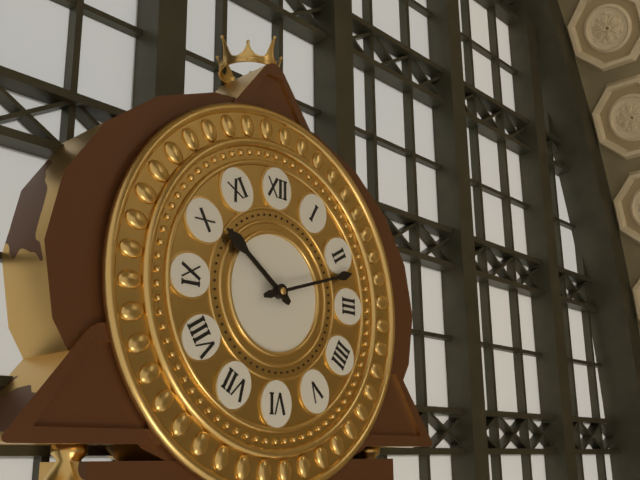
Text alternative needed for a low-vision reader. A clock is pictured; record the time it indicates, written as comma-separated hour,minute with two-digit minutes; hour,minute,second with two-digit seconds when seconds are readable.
10,12
